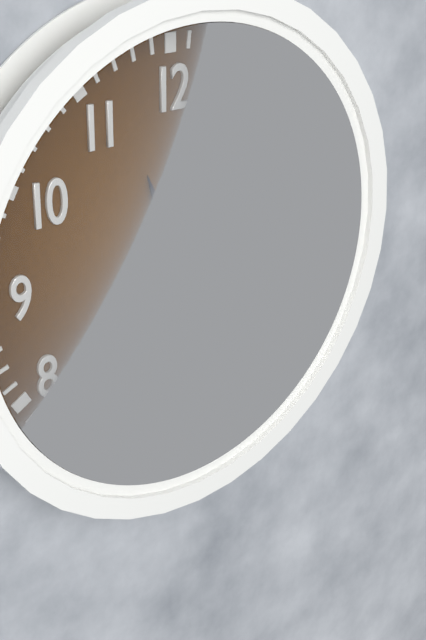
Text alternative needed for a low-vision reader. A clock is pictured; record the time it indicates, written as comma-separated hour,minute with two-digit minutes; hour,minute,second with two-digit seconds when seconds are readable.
11,20,12
